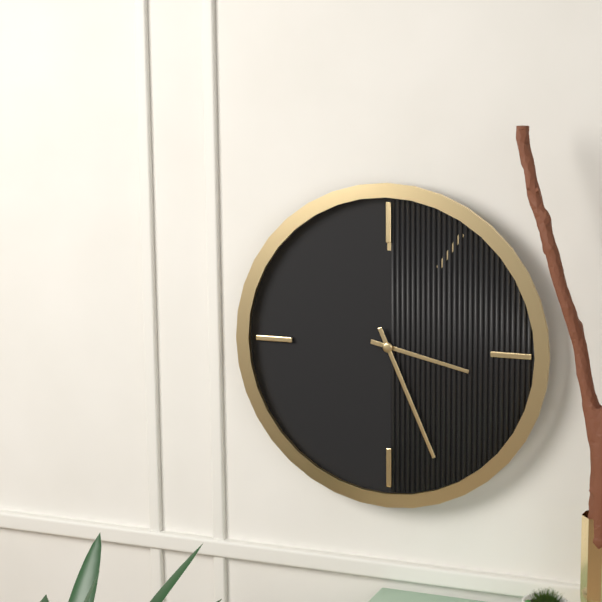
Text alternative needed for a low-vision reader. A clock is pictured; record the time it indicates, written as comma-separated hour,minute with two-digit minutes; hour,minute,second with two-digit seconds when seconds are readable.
3,26
